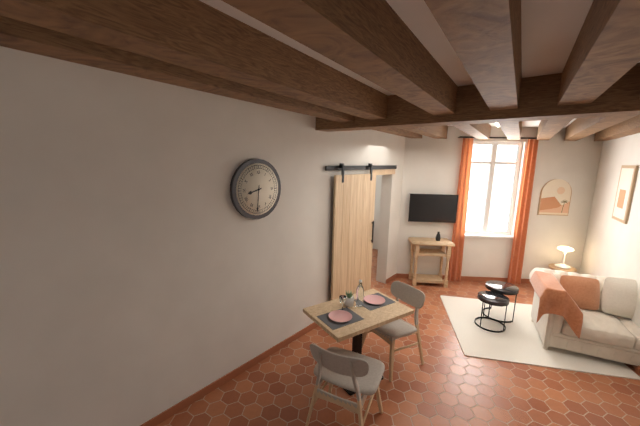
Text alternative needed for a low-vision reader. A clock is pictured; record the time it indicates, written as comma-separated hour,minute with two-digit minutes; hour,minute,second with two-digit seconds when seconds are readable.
8,31
